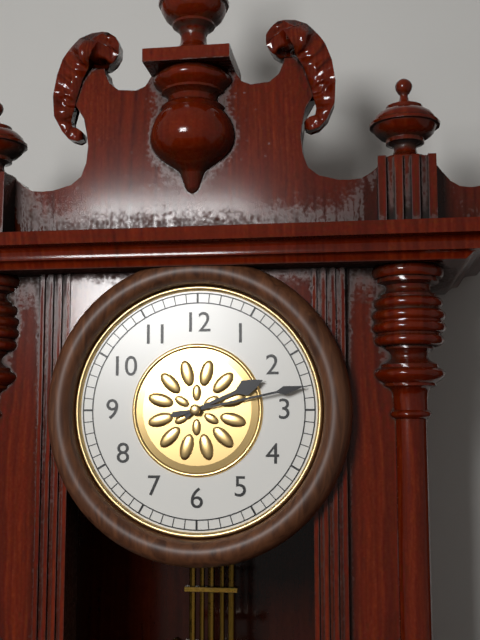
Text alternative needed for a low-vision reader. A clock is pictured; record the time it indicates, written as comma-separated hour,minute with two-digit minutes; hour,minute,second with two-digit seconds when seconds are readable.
2,13
